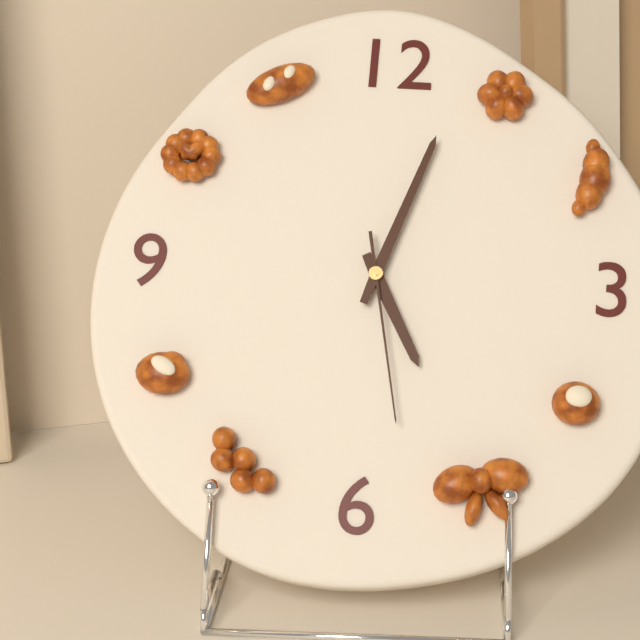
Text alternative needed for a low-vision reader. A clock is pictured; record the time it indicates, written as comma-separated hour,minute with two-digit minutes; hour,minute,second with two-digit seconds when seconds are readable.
5,03,28
